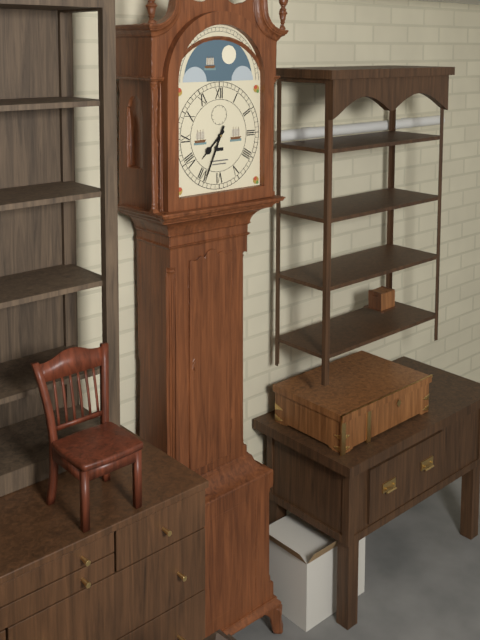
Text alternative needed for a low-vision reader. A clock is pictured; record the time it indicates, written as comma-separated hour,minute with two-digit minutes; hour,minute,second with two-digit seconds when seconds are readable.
7,34
